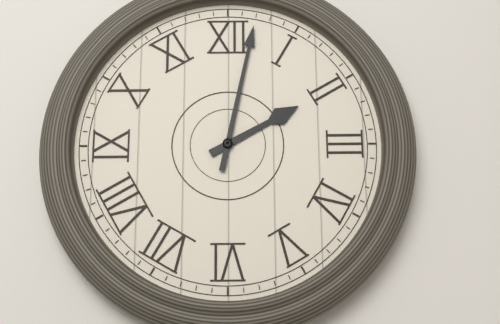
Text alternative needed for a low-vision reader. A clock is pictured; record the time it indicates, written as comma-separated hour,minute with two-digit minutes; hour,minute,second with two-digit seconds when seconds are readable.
2,02
